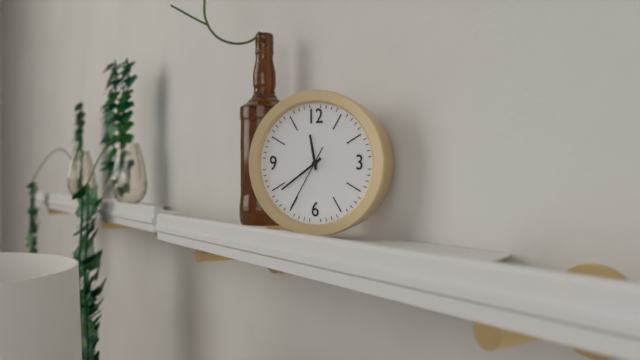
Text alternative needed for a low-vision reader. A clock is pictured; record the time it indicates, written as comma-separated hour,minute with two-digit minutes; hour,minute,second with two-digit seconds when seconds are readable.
11,39,35
